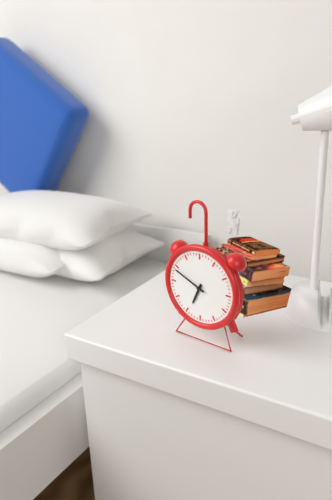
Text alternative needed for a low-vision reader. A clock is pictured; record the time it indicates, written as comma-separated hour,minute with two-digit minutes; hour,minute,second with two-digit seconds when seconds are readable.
6,49
